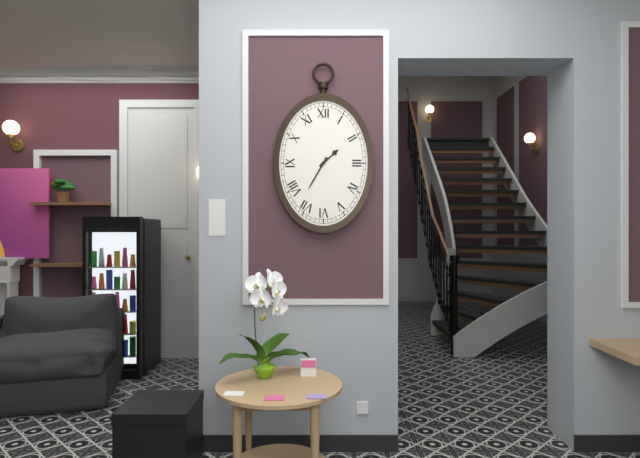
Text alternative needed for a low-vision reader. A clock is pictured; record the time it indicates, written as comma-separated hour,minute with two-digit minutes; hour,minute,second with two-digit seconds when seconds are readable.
1,35
